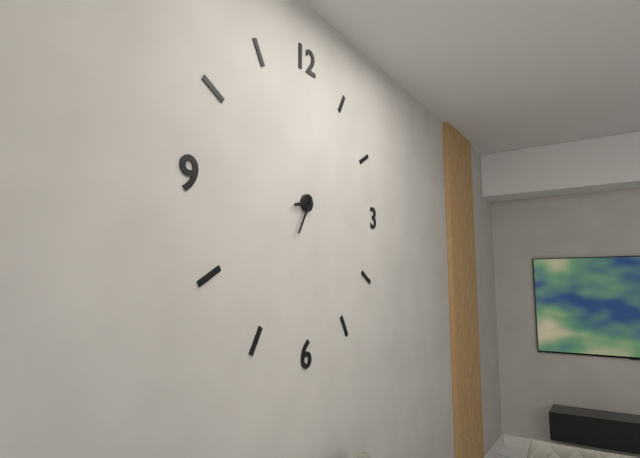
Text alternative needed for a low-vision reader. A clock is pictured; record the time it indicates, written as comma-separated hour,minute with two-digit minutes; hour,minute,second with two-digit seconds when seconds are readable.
8,35
